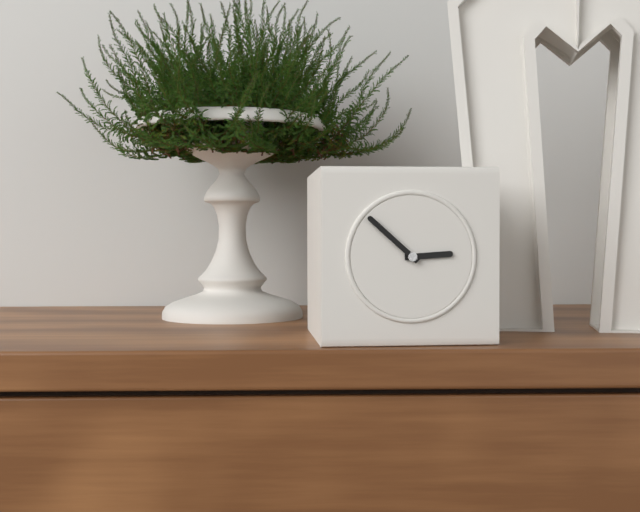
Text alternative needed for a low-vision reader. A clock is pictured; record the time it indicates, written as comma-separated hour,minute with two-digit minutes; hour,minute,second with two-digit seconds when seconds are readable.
2,52
